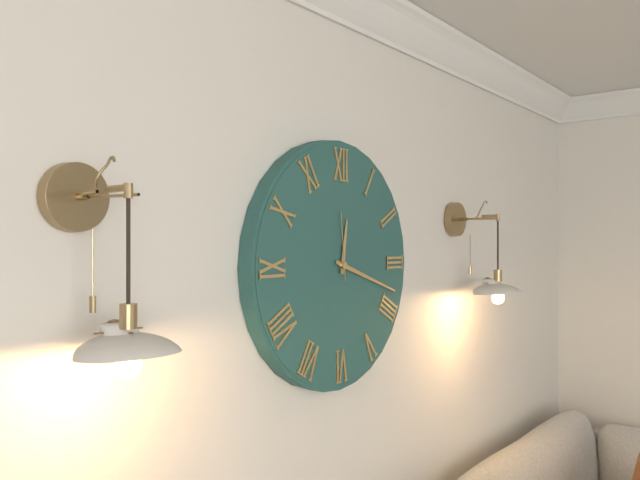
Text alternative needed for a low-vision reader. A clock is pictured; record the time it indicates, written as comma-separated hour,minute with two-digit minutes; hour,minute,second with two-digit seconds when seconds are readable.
12,18,59
